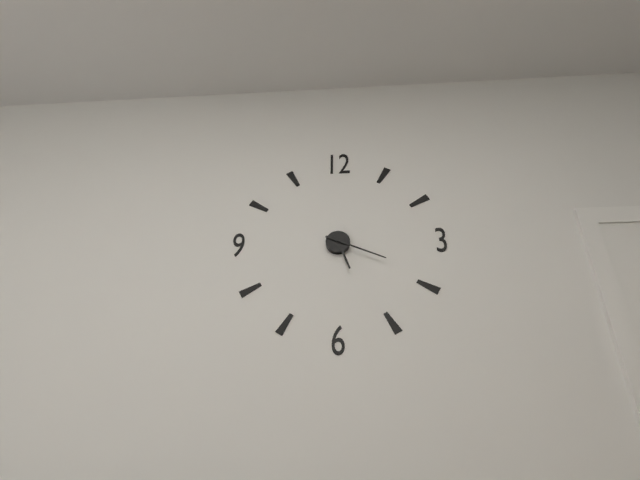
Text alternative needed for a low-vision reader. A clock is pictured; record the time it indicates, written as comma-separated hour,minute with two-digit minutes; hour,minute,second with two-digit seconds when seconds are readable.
5,19
